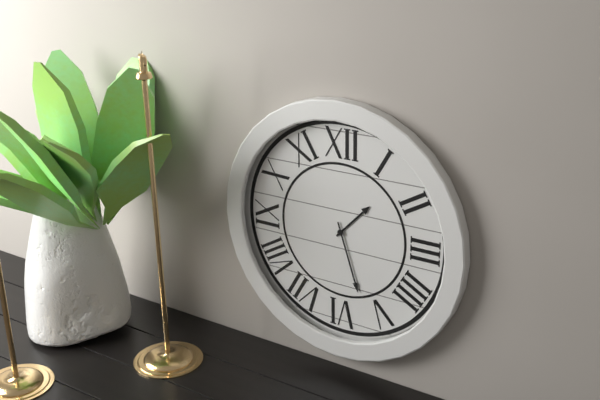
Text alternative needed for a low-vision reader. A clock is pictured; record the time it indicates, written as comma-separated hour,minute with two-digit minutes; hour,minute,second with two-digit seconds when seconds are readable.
1,27
